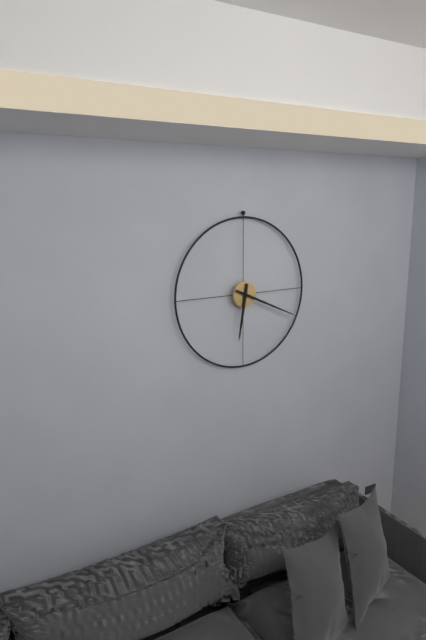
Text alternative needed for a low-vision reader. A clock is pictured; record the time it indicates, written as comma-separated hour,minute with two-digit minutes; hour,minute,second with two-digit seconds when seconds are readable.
6,19
